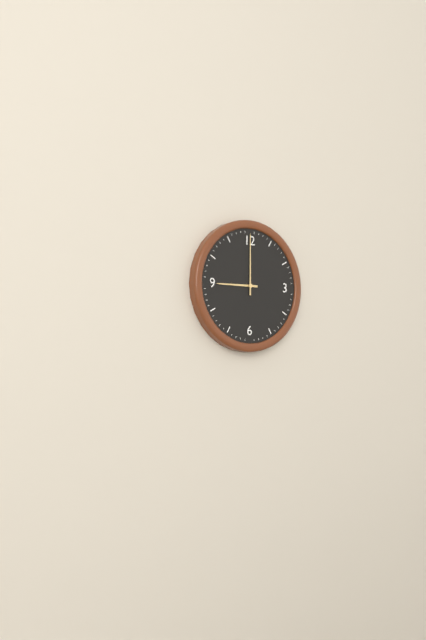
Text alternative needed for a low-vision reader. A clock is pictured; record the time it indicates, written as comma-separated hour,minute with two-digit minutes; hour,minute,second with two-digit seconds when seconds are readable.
9,00
